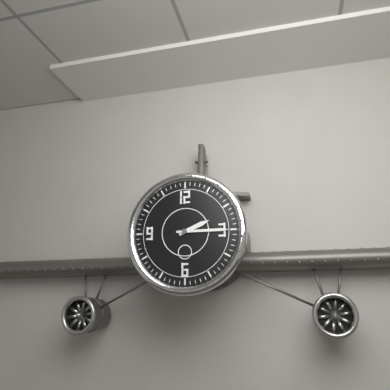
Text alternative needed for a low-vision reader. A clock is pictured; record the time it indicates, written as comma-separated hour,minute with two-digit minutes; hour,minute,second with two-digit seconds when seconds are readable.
2,15
